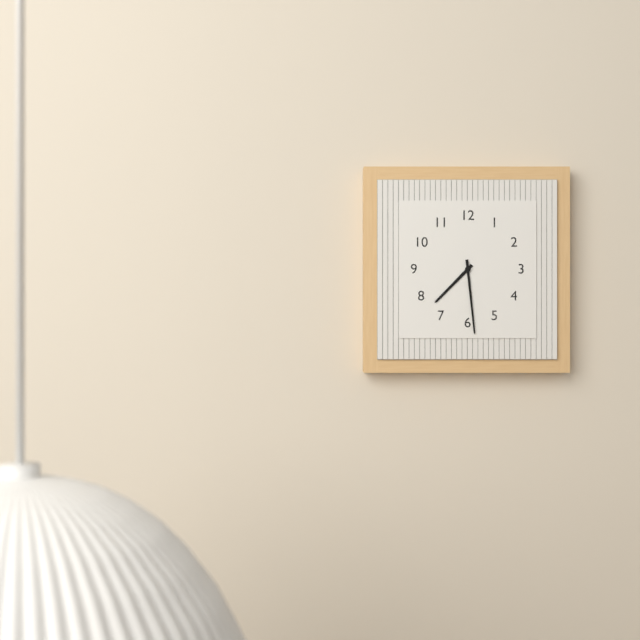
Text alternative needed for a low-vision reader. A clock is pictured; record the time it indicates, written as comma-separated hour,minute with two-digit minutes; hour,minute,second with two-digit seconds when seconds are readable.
7,29
